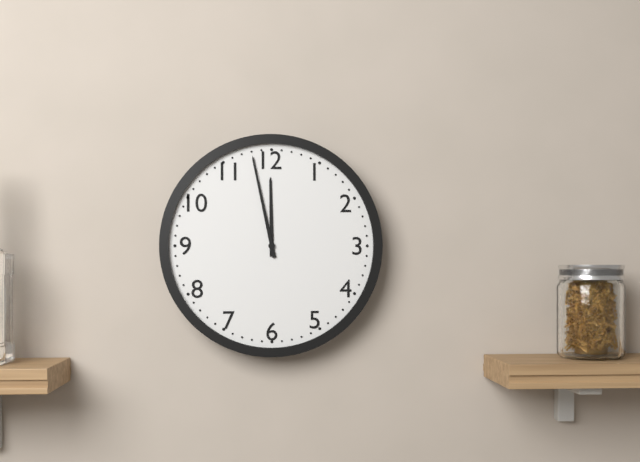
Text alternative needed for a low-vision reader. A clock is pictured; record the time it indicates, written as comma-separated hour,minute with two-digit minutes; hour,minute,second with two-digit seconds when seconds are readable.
11,58
